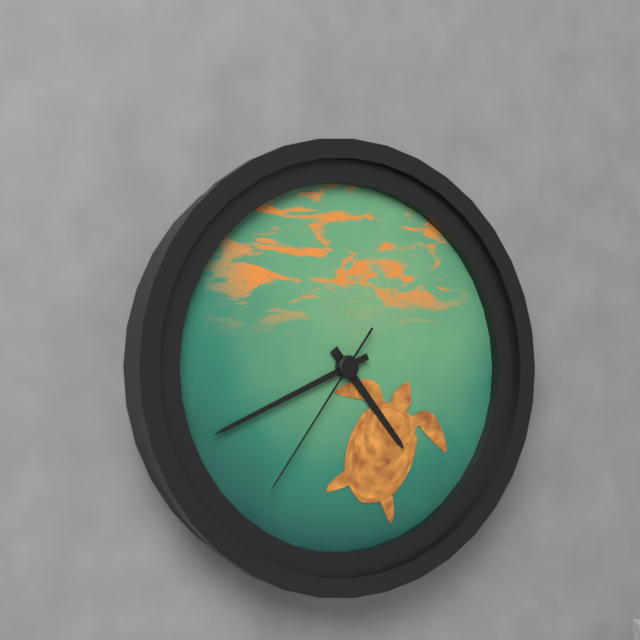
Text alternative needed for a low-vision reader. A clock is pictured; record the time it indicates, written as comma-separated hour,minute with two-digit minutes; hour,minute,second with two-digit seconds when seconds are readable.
4,41,36
